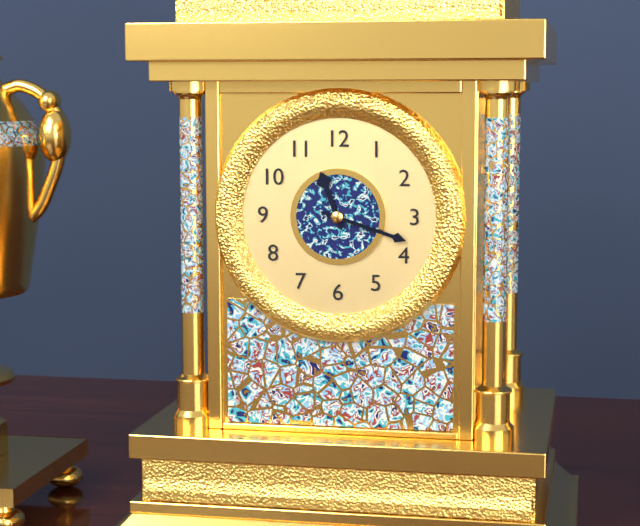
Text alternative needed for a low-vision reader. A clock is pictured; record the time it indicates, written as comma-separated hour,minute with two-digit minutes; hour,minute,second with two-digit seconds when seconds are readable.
11,18
